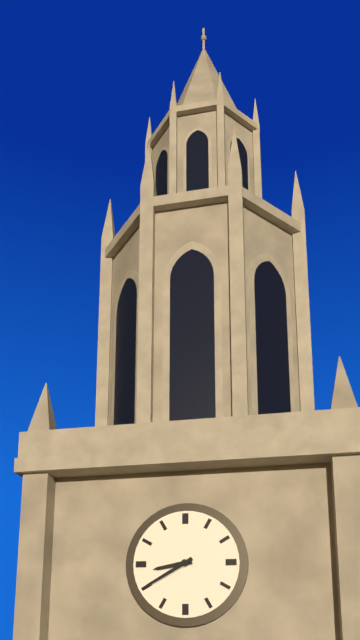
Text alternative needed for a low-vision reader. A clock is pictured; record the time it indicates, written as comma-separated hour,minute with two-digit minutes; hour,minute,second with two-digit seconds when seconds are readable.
8,40
